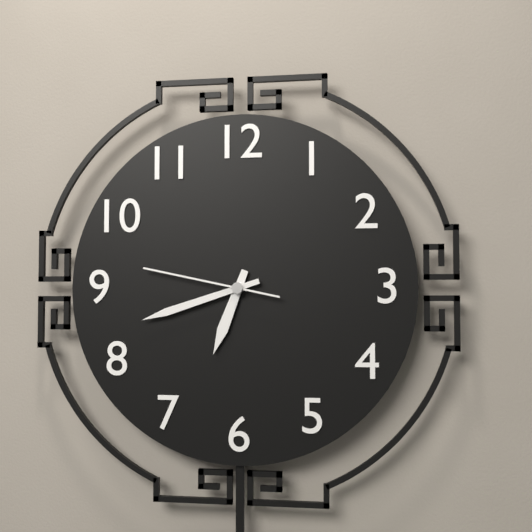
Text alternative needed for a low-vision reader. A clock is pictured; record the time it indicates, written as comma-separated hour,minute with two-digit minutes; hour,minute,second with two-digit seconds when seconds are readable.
6,42,47
